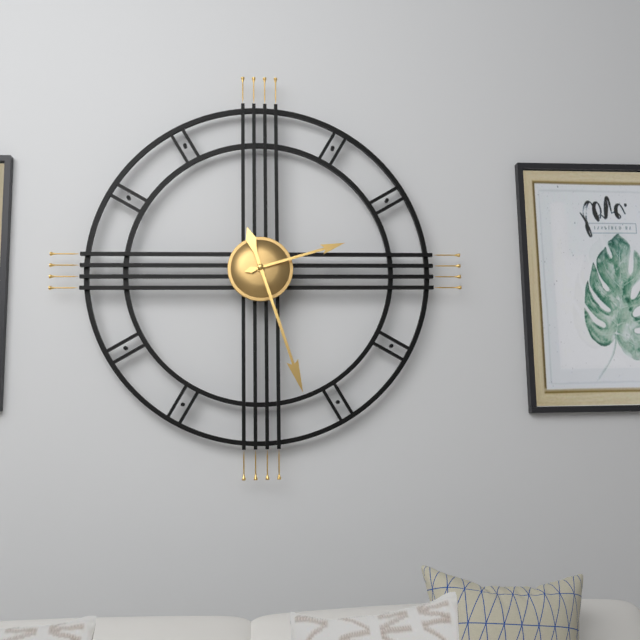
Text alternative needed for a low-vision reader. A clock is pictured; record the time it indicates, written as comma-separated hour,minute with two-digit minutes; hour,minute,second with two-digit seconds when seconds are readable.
2,27
